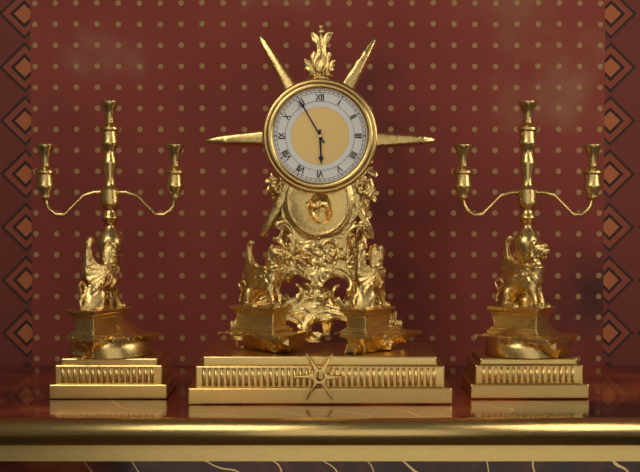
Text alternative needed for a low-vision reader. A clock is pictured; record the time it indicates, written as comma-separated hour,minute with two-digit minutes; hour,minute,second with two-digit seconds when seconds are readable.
5,55
